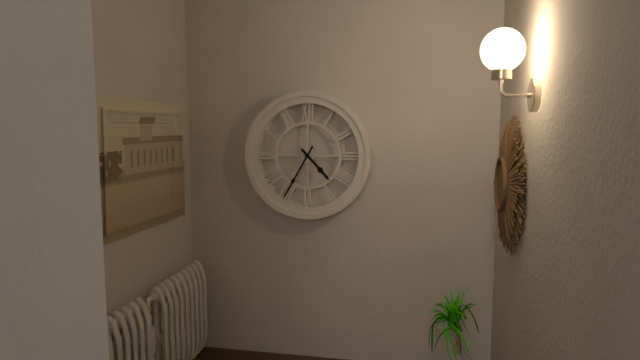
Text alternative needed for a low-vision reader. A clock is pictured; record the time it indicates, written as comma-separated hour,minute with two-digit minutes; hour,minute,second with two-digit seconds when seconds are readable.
4,35
